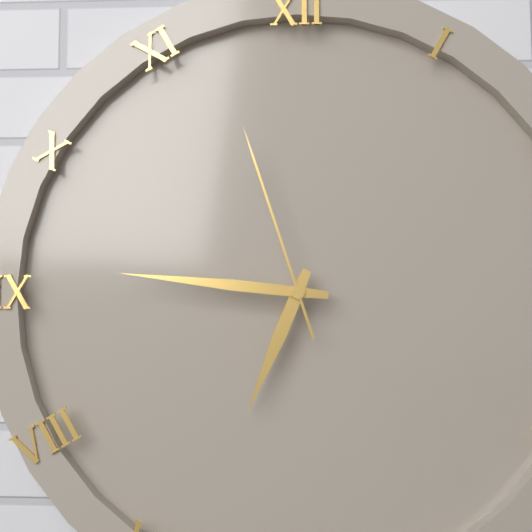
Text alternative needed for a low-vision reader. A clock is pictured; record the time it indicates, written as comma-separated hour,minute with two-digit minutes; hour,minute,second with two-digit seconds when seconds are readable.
6,46,57
